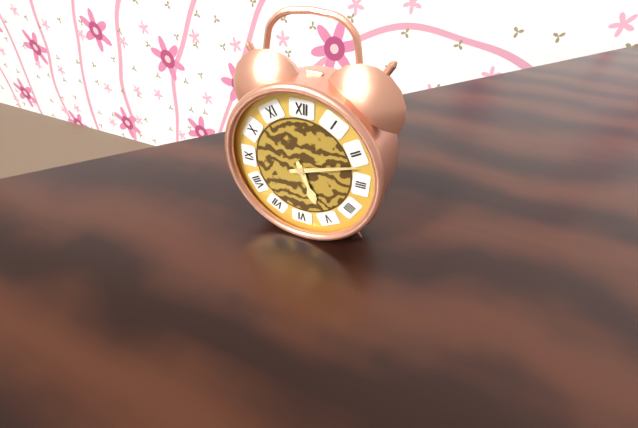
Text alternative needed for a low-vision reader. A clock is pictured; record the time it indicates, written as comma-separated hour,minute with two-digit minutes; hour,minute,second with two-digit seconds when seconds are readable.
5,12
